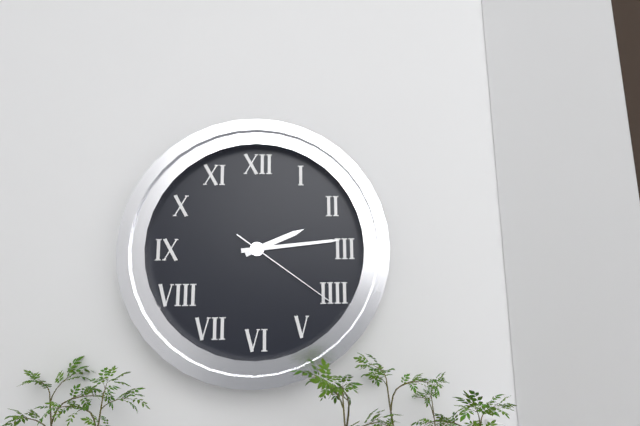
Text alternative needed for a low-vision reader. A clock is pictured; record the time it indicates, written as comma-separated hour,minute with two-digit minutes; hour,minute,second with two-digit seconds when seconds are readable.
2,14,21
